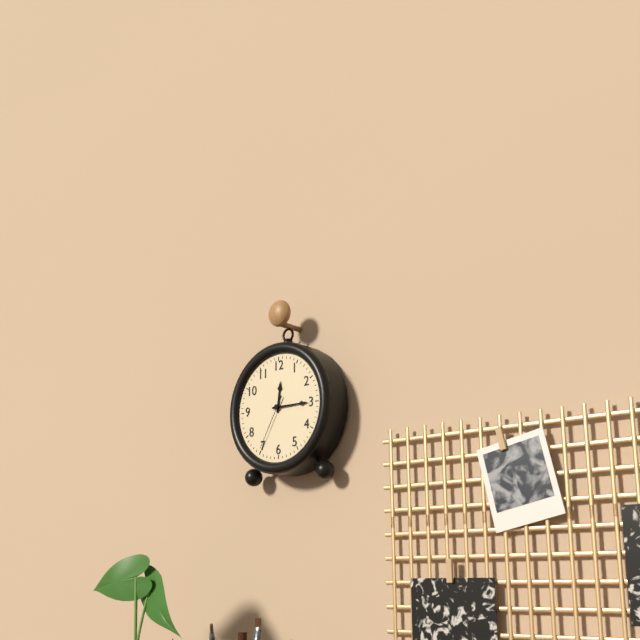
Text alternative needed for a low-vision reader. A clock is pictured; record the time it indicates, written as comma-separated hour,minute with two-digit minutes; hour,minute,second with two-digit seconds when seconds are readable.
12,15,35
